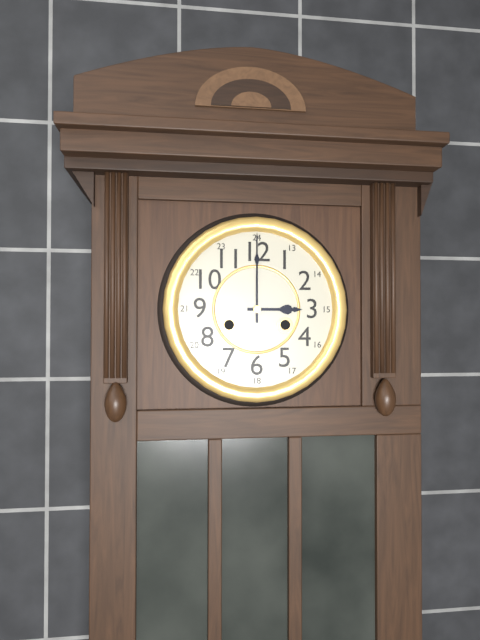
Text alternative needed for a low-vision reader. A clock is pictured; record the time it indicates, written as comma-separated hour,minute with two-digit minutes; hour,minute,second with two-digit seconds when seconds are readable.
3,00
